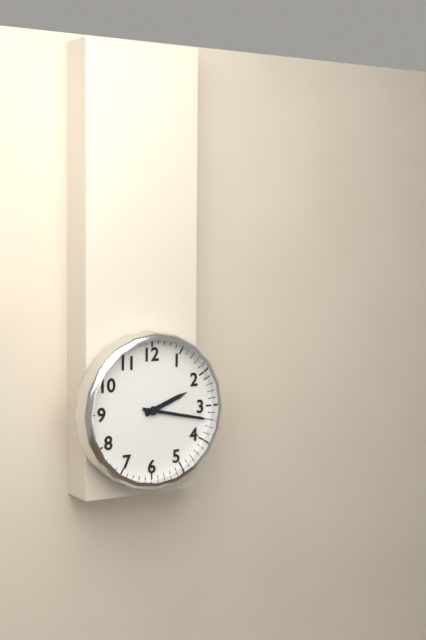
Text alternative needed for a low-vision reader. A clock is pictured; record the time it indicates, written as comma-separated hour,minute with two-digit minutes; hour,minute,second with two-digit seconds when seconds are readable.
2,17
